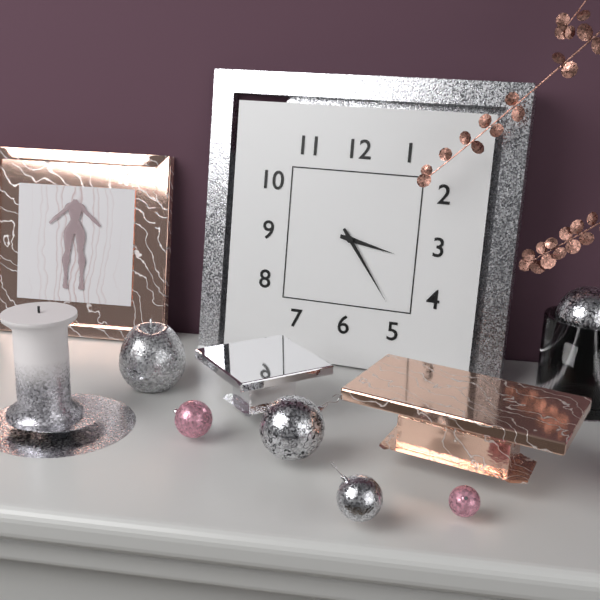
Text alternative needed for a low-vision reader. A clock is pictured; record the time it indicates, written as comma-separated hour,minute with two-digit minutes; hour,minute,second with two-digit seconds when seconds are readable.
3,24
